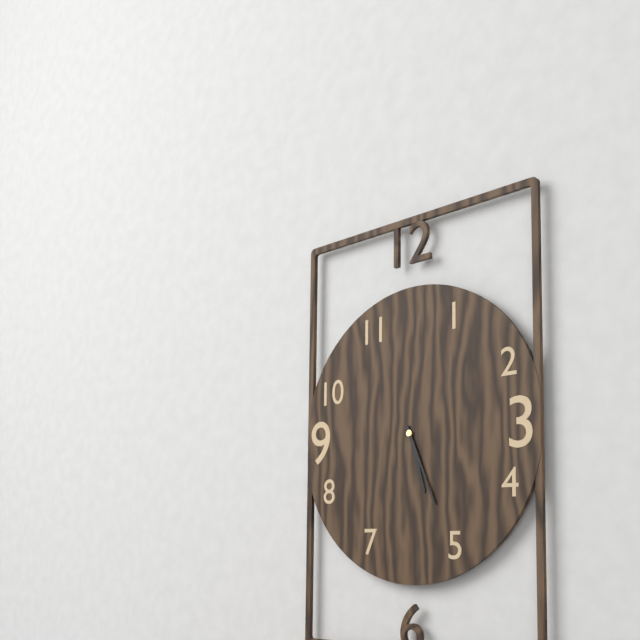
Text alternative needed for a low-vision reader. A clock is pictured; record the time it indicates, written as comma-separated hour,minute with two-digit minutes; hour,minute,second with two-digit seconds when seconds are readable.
5,26
